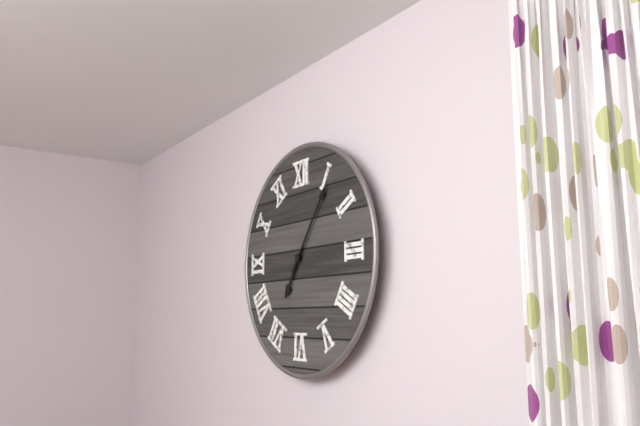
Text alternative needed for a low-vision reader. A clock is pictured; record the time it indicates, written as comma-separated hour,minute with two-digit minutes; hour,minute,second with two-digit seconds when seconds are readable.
7,06
